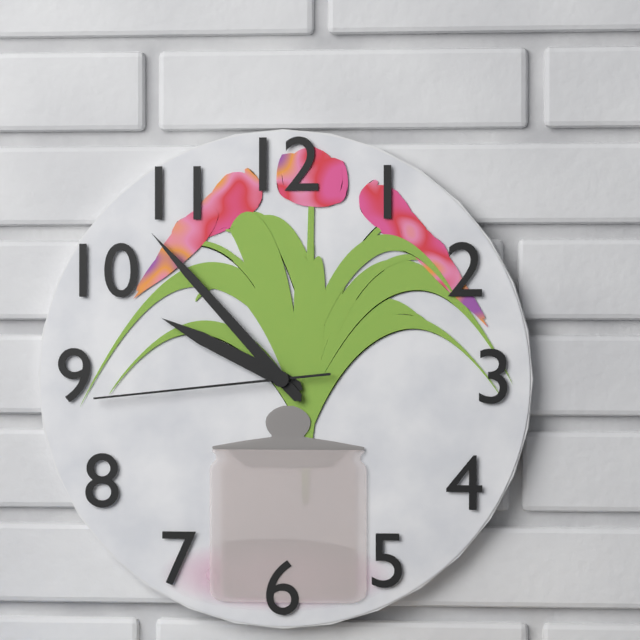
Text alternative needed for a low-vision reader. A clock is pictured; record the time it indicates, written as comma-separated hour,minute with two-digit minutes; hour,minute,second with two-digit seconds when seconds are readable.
9,53,44
